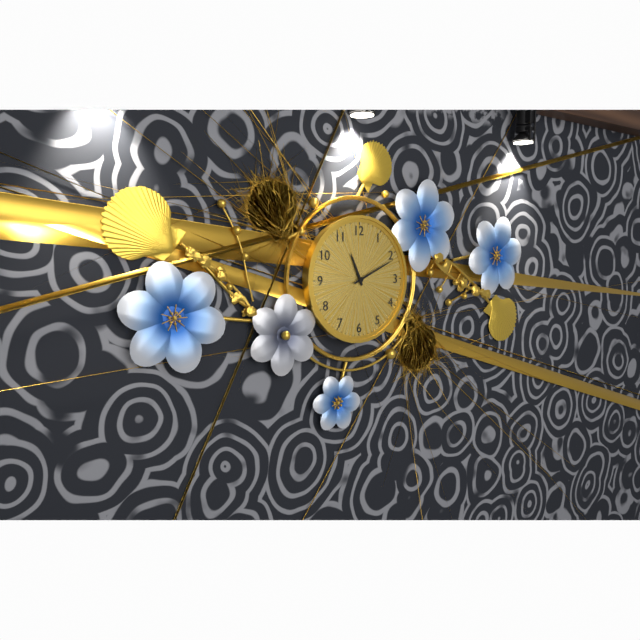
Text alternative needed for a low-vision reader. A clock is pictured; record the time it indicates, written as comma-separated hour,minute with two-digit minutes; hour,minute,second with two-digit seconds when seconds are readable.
11,11
